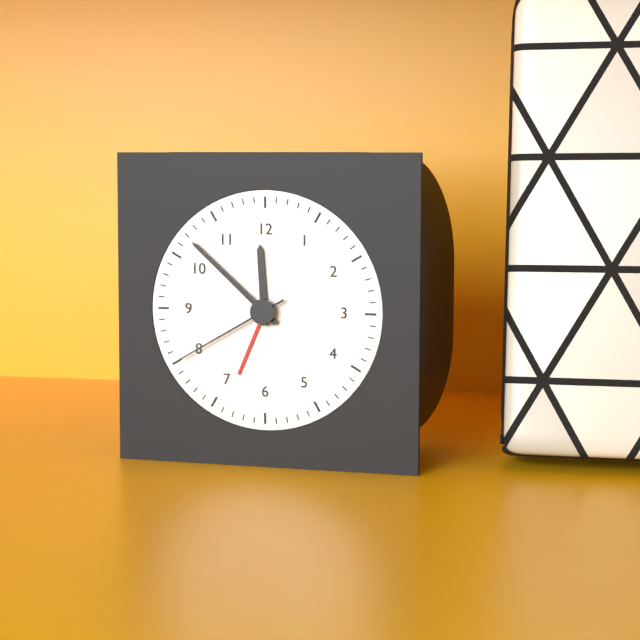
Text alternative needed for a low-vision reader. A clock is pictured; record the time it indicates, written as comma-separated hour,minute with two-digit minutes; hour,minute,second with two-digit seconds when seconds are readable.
11,52,40
